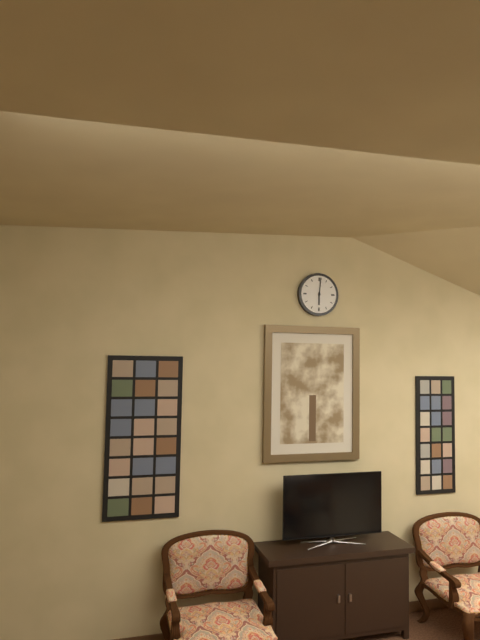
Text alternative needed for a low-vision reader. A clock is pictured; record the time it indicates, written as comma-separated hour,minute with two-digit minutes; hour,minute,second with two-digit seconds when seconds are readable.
6,01
